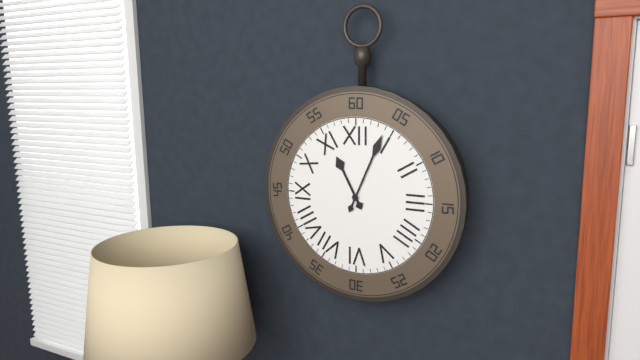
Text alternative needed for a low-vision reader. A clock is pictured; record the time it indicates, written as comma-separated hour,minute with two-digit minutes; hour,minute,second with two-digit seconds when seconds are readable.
11,04
